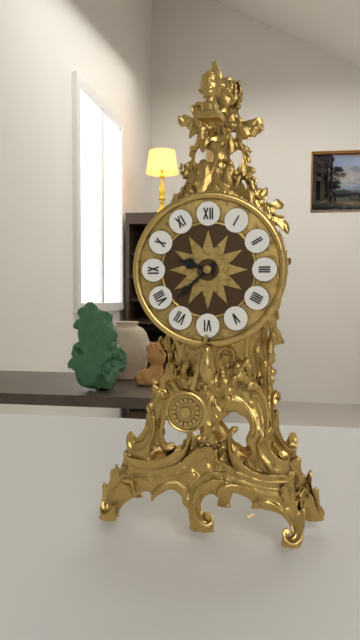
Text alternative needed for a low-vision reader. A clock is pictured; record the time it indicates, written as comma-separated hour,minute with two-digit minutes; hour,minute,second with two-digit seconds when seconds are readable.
9,38
